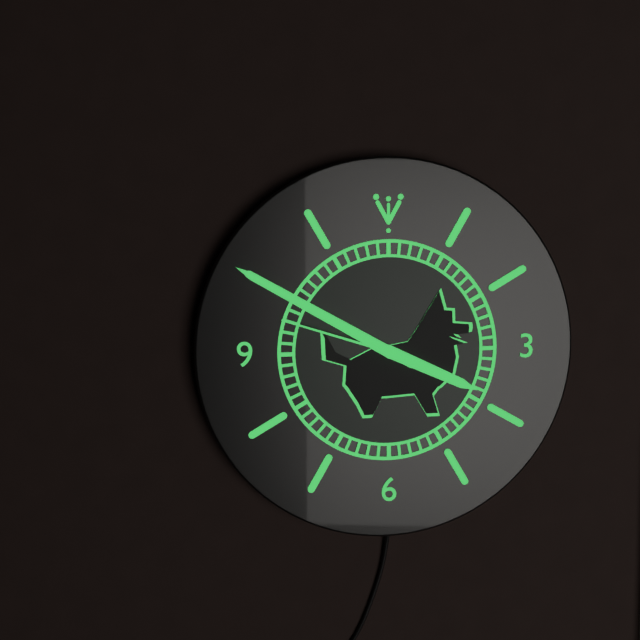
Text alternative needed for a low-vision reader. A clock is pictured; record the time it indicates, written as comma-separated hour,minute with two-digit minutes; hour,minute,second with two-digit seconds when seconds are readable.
3,50,48
